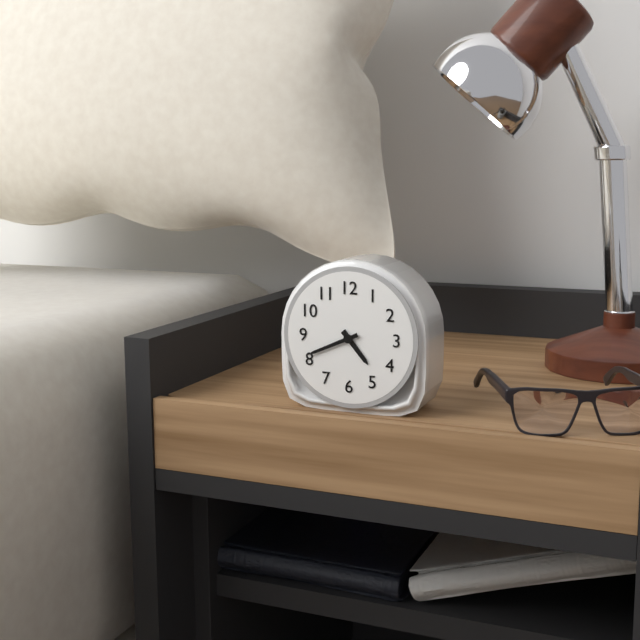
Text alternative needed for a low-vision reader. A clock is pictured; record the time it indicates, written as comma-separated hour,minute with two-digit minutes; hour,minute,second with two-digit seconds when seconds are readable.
4,41
